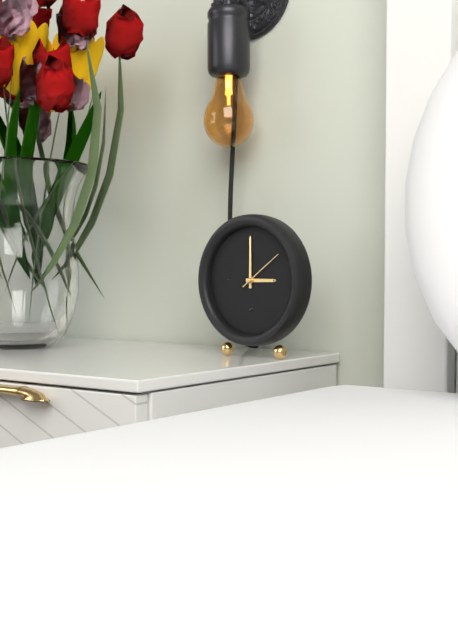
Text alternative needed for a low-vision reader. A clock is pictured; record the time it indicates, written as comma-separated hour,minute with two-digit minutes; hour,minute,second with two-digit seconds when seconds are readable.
3,00
